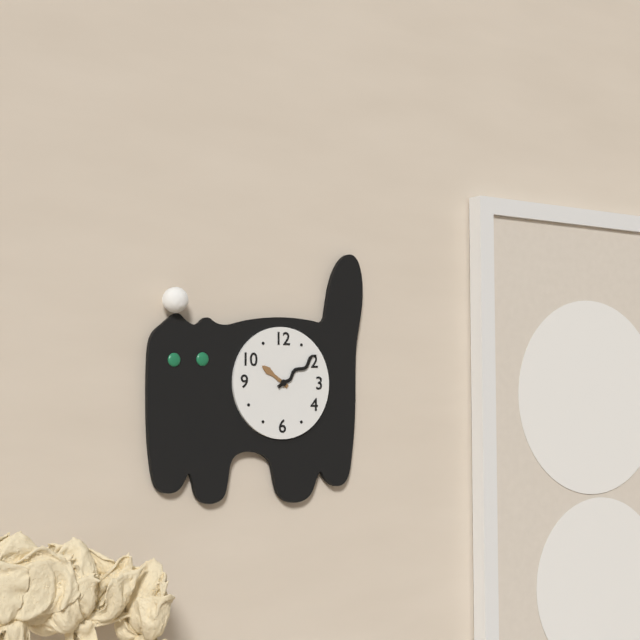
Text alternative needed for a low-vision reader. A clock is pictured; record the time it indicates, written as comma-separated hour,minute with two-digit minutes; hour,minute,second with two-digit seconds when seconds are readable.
10,09
